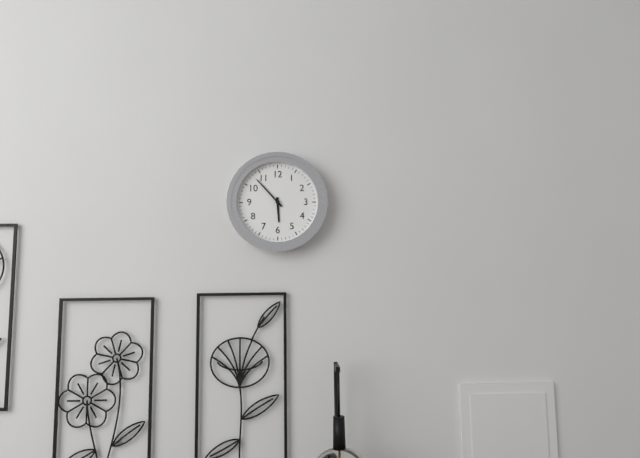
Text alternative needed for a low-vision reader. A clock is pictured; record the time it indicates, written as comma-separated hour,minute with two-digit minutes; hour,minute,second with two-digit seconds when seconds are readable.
5,53
